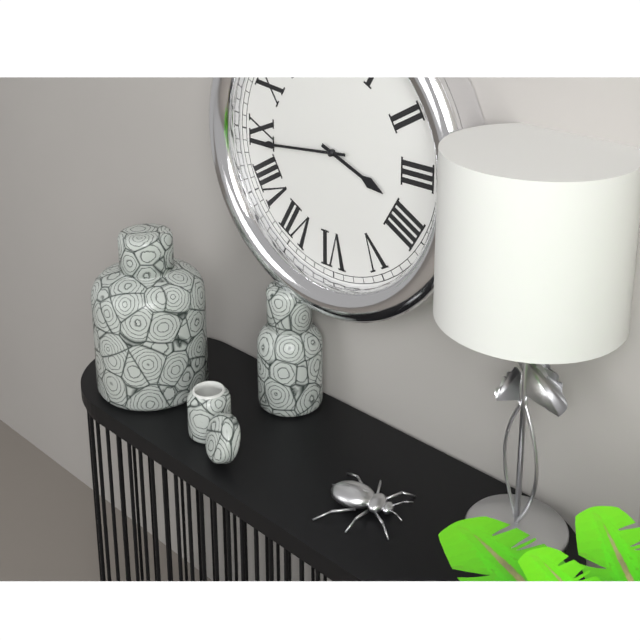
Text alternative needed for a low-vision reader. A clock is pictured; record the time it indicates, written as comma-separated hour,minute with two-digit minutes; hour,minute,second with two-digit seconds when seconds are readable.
3,44
